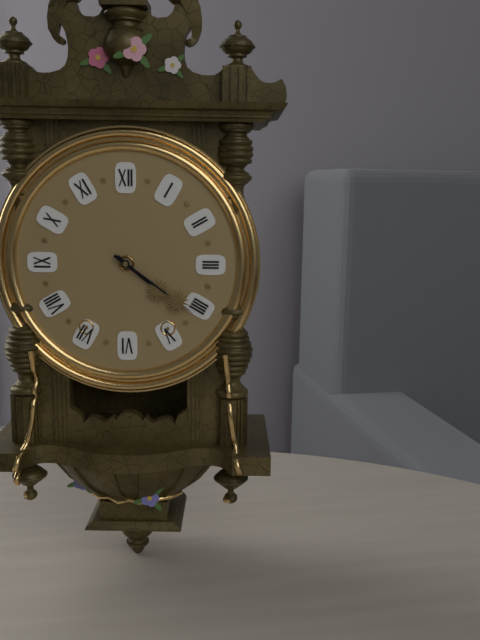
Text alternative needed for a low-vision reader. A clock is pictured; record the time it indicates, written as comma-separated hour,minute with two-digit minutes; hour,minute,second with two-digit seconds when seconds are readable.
4,21
